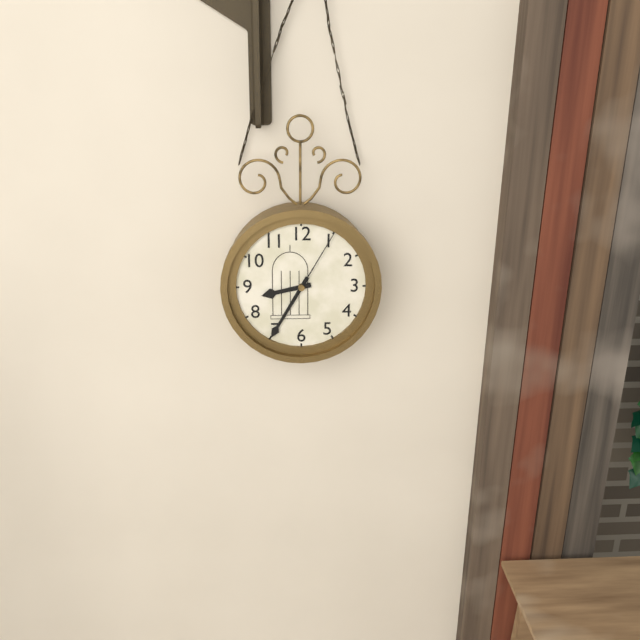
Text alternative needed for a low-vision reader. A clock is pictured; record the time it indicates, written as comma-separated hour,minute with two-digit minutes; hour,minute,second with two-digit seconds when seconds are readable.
8,35,05
